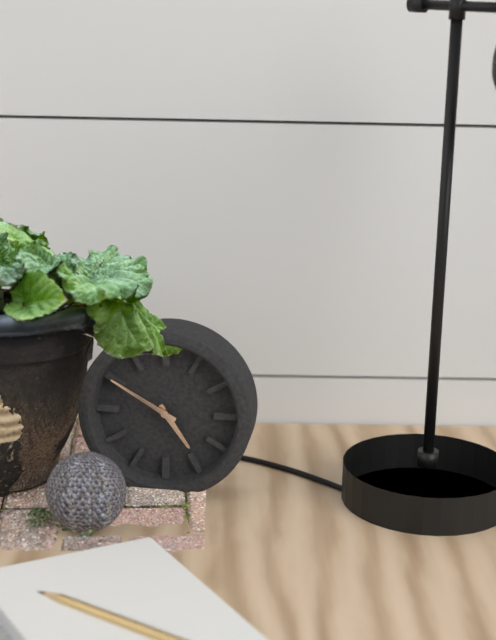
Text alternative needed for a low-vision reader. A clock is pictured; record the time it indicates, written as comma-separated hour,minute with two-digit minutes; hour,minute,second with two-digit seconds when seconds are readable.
4,50
